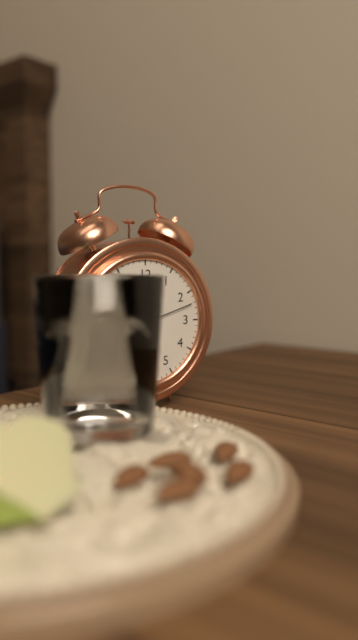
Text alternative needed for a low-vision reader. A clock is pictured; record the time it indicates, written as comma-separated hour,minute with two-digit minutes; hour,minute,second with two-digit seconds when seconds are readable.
8,37,12
